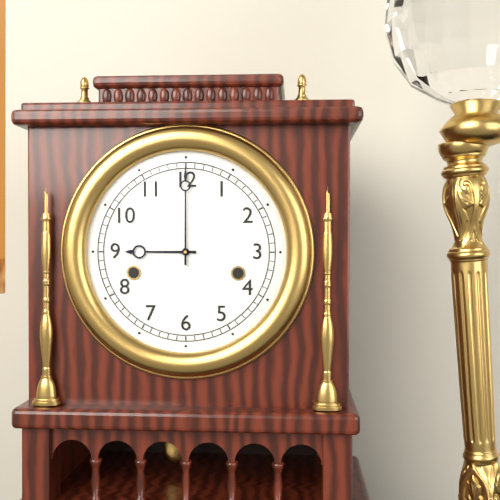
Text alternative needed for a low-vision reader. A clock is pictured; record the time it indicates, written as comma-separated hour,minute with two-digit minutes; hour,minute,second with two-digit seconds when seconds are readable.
9,00
